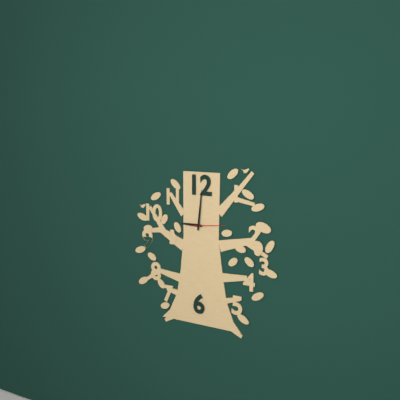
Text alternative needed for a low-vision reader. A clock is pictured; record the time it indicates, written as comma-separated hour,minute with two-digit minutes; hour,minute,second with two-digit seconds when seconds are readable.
9,01
